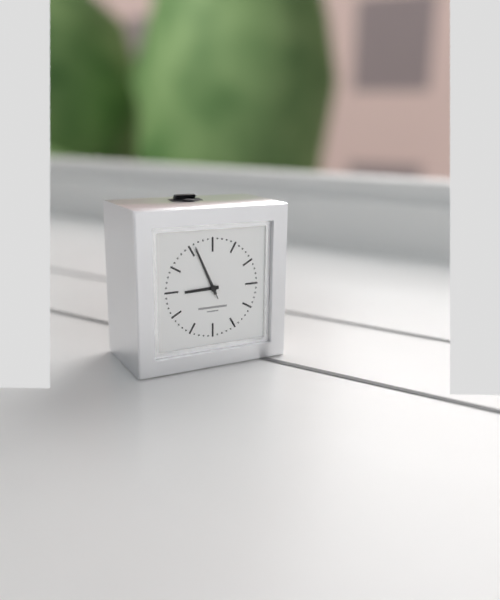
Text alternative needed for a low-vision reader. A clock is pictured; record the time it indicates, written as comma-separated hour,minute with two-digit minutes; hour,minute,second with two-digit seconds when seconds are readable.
8,56,56
